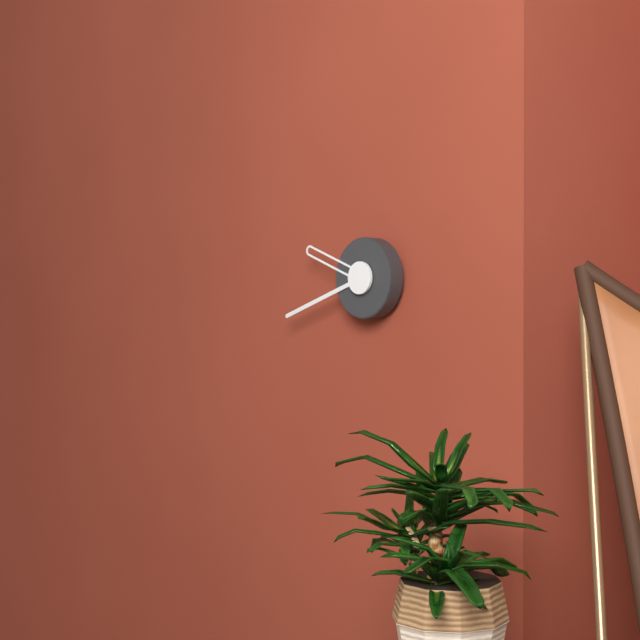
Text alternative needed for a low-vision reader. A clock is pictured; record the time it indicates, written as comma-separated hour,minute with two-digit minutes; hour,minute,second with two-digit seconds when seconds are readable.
9,42
